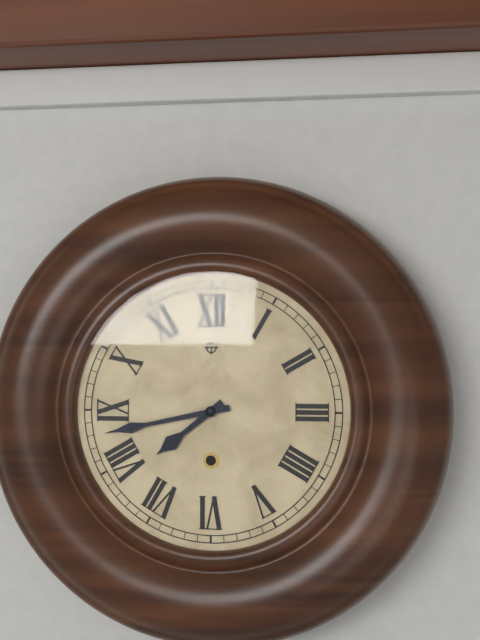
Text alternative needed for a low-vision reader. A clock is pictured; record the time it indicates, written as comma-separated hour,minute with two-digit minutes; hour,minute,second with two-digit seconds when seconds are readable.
7,43
